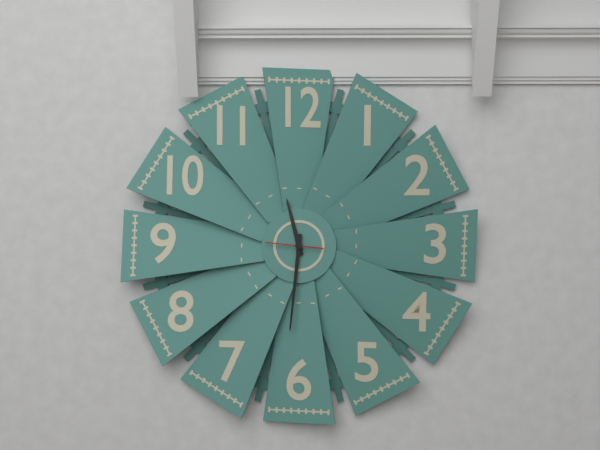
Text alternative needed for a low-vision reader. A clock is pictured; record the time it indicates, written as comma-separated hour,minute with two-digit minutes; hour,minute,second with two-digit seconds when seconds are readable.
11,31
